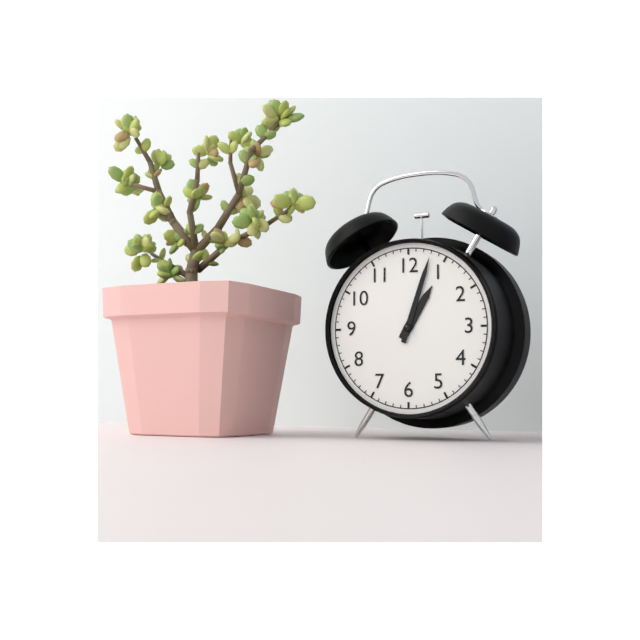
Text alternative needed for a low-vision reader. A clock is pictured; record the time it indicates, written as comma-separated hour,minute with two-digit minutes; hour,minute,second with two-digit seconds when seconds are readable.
1,03
